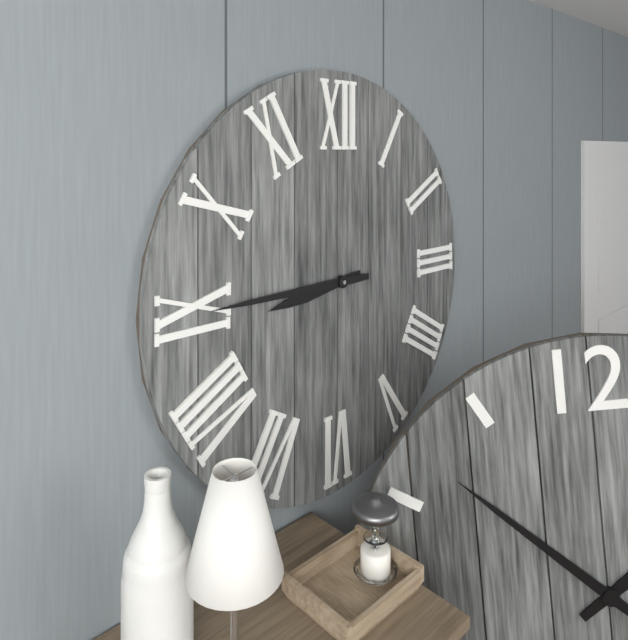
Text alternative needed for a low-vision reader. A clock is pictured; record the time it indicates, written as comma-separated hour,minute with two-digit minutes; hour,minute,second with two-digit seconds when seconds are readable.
8,45
